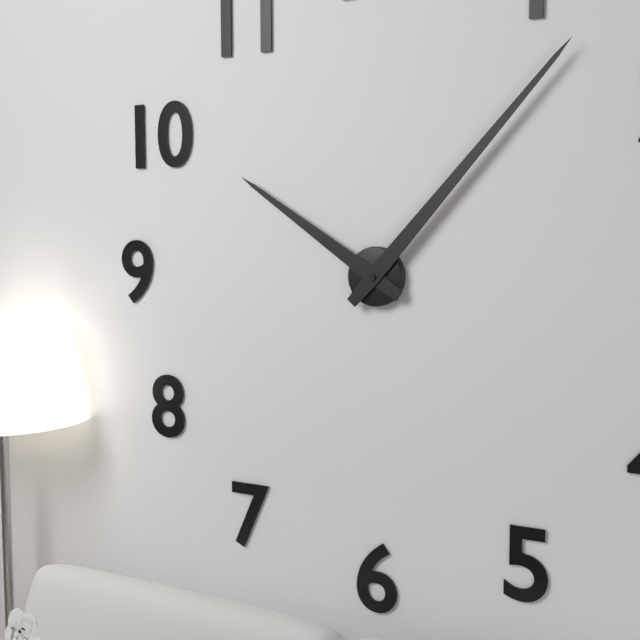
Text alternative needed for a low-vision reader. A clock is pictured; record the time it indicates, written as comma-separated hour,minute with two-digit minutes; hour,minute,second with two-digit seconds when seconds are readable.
10,07
